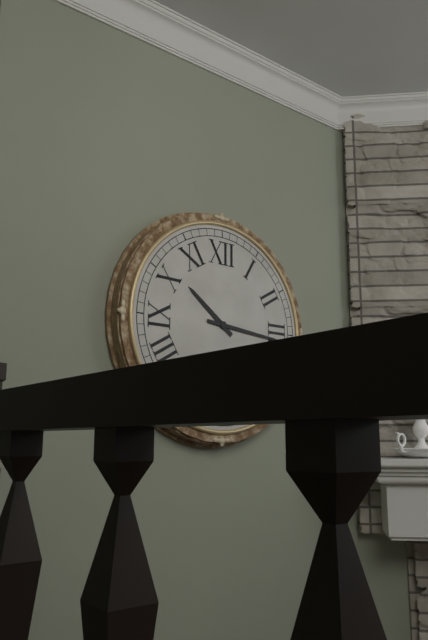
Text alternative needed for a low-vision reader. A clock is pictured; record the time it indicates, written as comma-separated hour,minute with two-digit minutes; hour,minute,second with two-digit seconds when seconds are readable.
10,16
